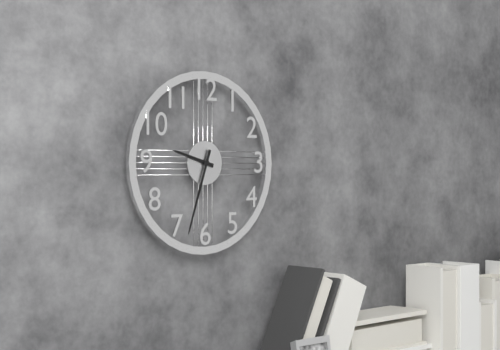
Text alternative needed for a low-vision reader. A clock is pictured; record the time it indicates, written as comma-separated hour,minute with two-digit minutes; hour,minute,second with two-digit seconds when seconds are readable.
9,33
